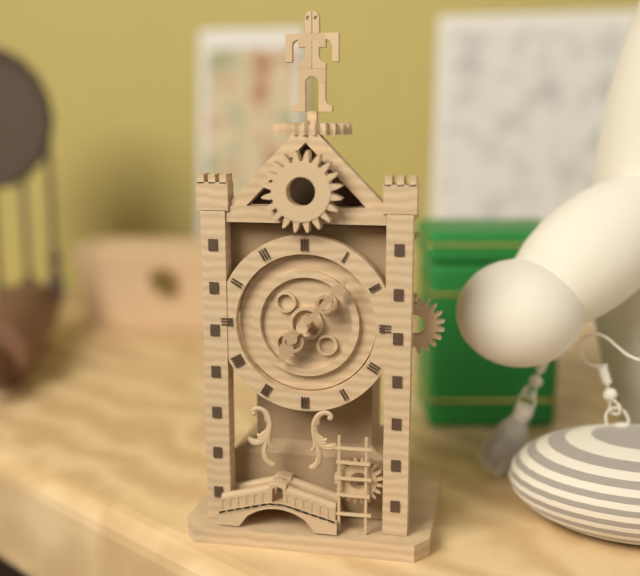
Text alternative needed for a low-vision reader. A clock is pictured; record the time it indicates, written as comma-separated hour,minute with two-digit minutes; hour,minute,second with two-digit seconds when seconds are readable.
7,07
